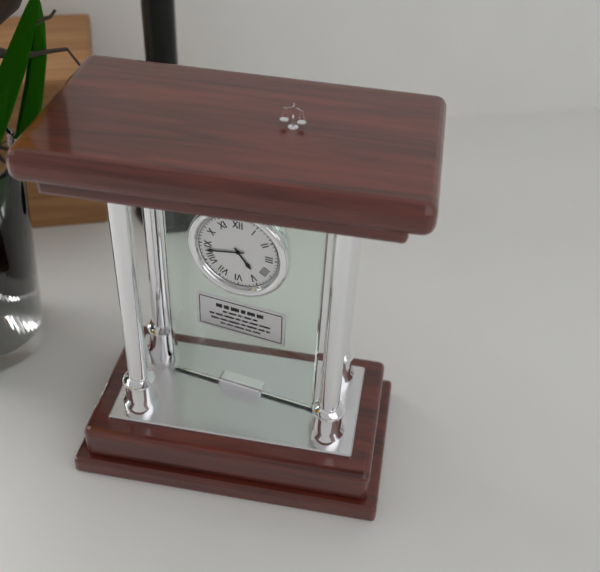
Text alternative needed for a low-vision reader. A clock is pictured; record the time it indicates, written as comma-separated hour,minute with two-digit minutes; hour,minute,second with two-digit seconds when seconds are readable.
4,43
